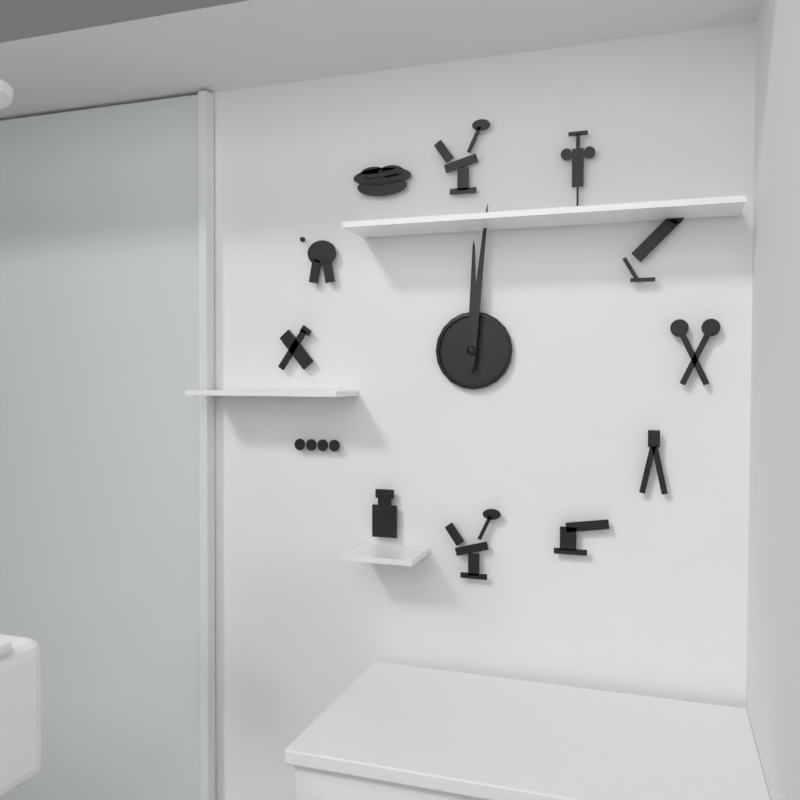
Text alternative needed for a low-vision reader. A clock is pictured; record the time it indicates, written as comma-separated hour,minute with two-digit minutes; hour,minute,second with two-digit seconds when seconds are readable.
12,01
